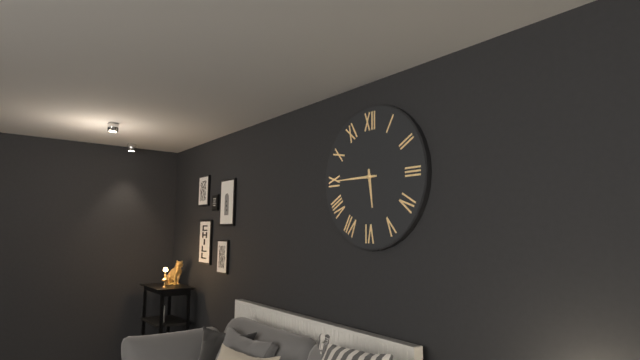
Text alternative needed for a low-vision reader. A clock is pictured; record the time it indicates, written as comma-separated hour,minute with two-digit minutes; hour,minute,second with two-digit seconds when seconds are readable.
5,45
